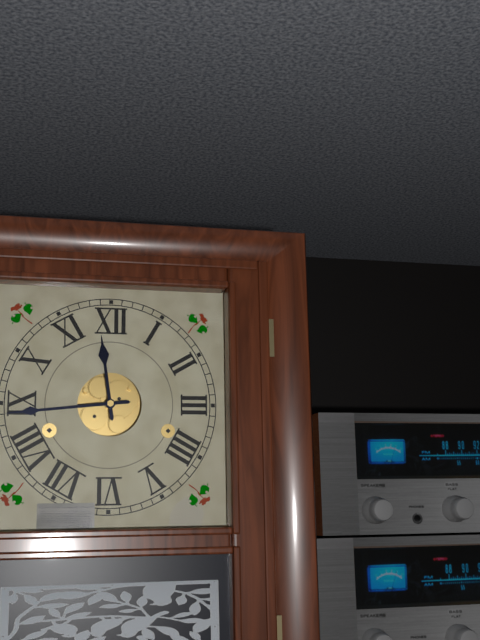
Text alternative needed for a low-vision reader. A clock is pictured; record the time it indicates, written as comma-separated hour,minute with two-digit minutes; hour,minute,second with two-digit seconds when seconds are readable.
11,44
